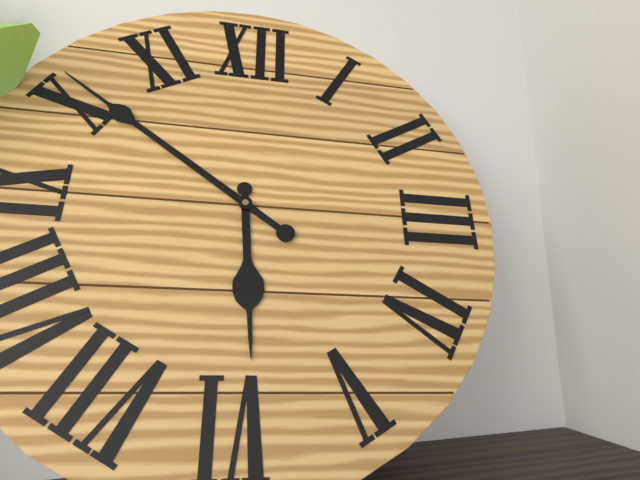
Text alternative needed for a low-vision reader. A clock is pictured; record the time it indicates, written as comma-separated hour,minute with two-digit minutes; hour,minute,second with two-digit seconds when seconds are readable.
5,51
